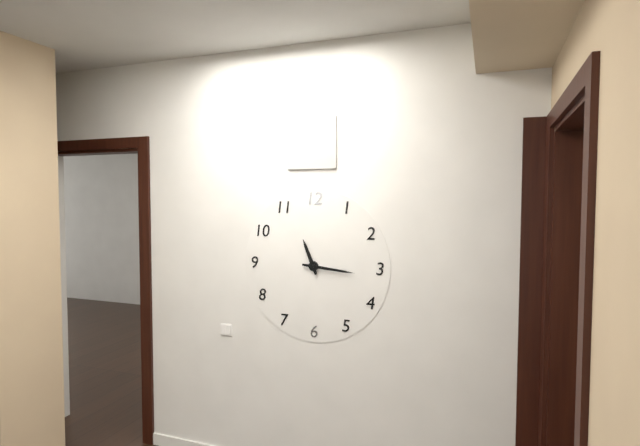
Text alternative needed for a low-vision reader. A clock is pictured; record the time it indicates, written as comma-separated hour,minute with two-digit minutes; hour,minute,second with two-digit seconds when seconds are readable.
11,16
